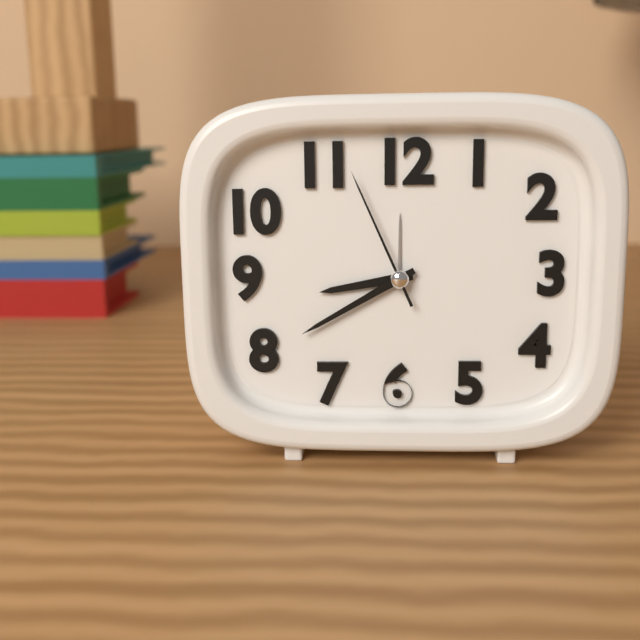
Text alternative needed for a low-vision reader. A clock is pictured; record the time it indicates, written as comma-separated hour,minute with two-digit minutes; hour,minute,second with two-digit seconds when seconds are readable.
8,40,56
